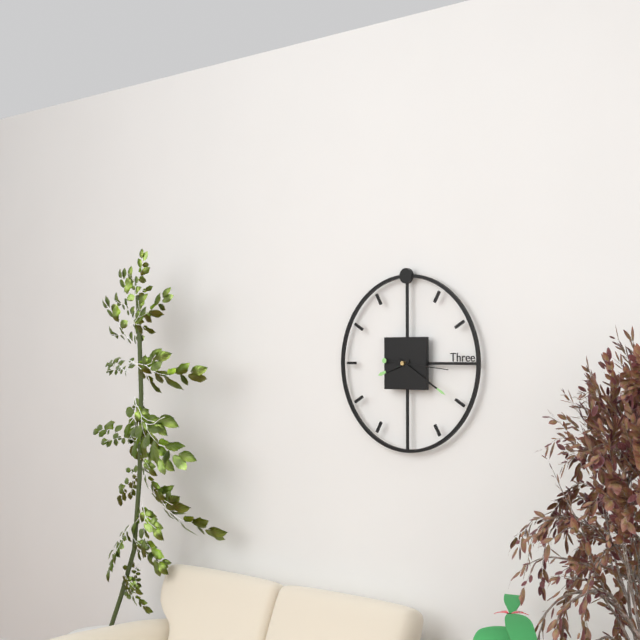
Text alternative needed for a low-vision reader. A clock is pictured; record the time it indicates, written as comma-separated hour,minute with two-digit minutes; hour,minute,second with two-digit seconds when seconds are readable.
8,20,16
